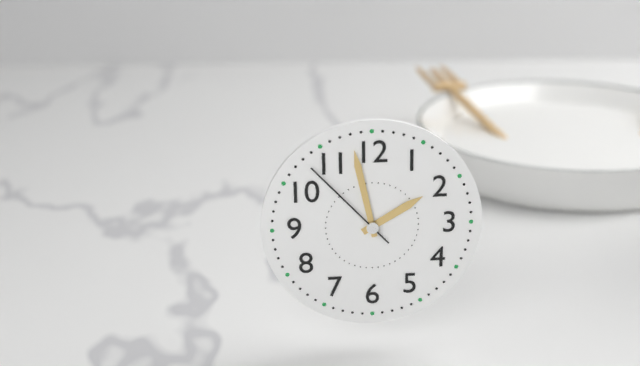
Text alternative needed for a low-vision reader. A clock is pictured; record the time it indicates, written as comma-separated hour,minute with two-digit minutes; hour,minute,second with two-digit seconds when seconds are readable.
1,58,53
